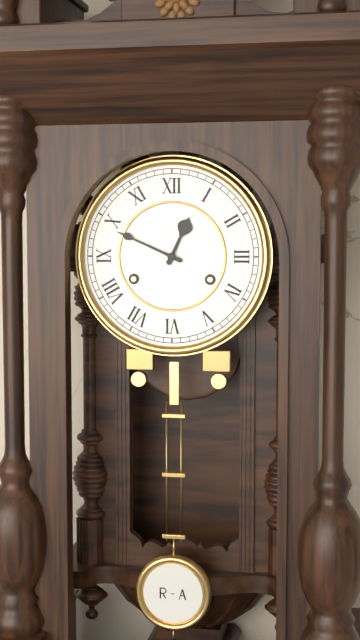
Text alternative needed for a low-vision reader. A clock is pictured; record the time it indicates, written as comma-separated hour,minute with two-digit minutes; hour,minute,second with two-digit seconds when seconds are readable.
12,49
